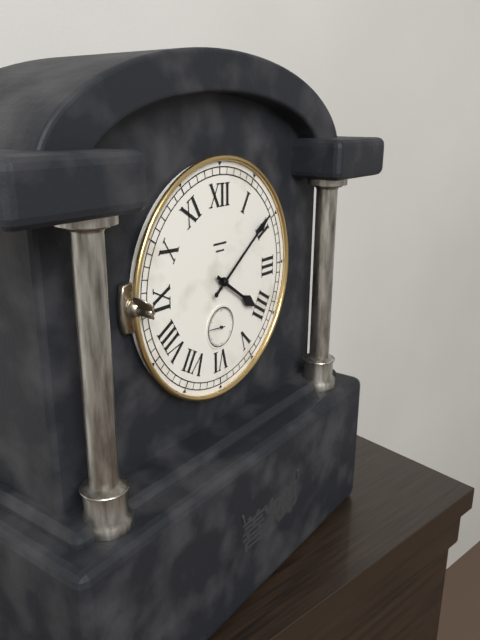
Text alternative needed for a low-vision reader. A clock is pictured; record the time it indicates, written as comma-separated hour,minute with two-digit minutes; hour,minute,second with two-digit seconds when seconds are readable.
4,09
